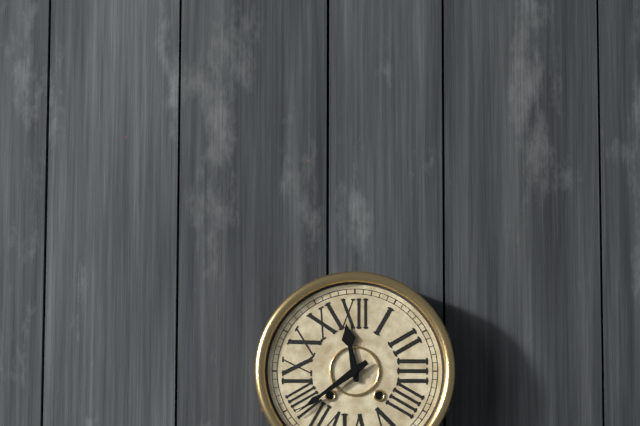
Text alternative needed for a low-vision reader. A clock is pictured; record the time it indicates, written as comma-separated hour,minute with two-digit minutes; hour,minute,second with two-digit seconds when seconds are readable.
11,39
